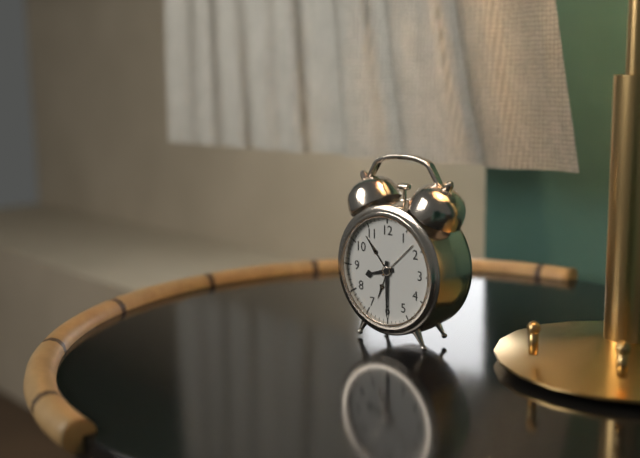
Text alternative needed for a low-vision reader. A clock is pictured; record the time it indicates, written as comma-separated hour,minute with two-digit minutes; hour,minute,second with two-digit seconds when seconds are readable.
8,30
